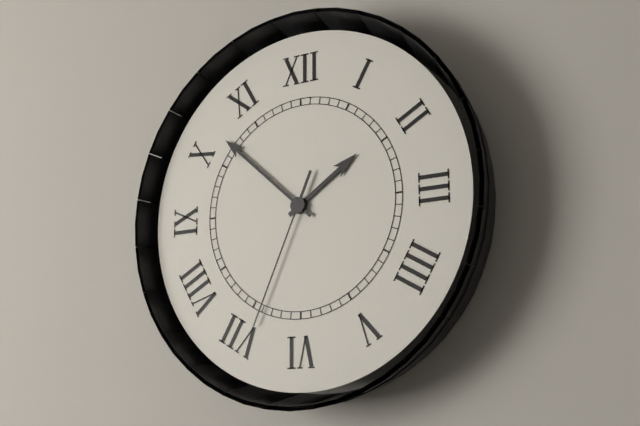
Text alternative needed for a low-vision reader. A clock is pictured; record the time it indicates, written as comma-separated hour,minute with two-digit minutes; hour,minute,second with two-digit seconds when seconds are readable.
1,52,34
